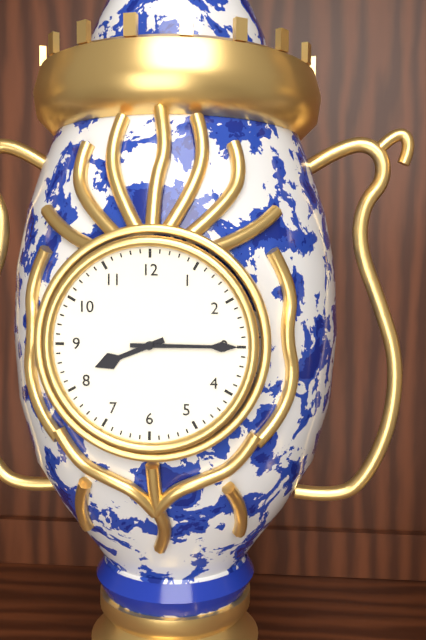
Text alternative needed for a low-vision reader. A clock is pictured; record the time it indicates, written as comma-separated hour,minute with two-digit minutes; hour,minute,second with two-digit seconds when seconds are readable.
8,15
